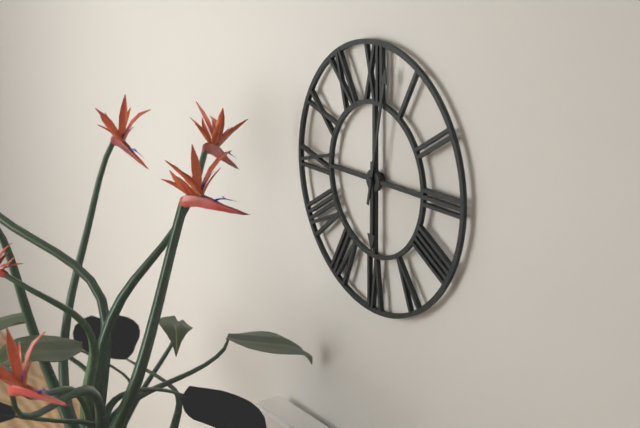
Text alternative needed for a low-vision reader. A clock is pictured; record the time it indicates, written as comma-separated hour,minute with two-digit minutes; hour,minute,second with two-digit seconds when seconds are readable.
6,02
